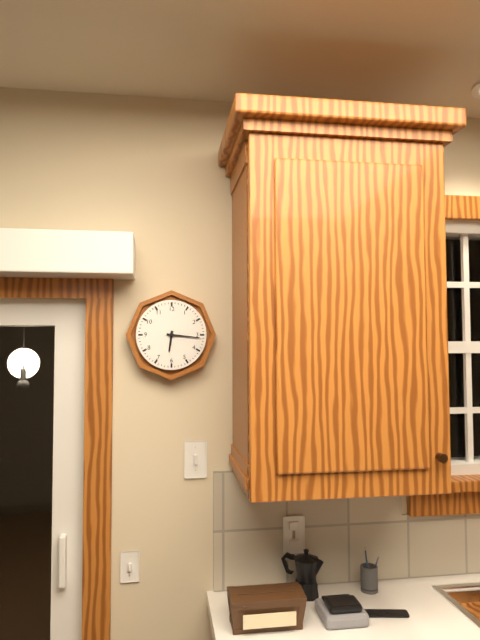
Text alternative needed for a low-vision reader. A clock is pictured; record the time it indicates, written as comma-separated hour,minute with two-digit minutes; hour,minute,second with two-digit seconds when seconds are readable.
6,16
